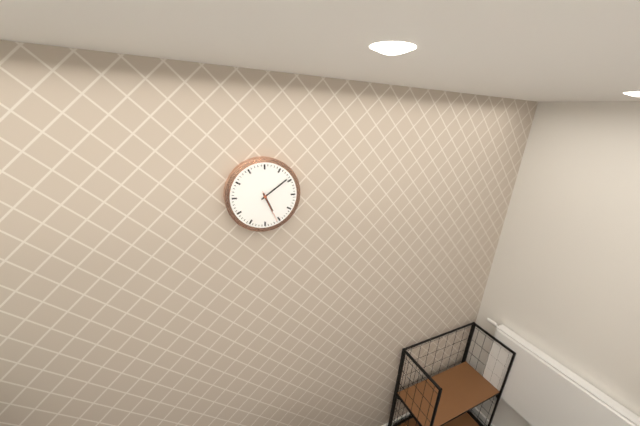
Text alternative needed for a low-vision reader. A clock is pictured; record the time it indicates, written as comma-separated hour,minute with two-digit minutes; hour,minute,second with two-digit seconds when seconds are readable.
5,09
